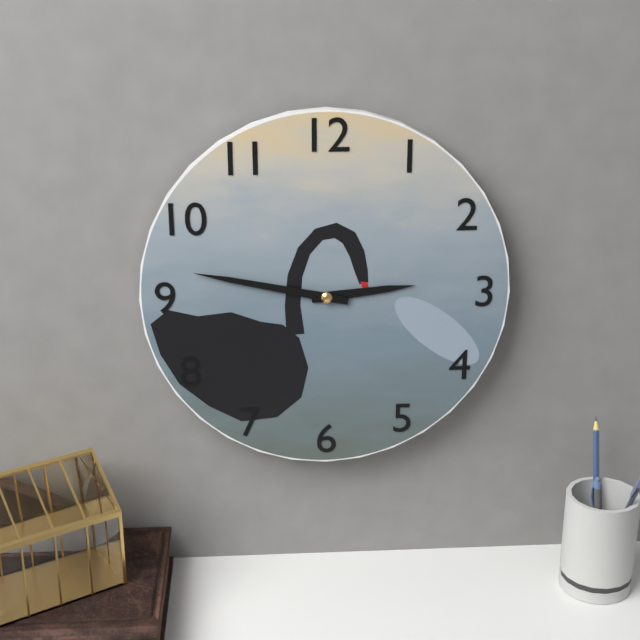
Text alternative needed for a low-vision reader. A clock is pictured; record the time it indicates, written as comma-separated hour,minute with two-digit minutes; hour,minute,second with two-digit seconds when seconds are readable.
2,47
